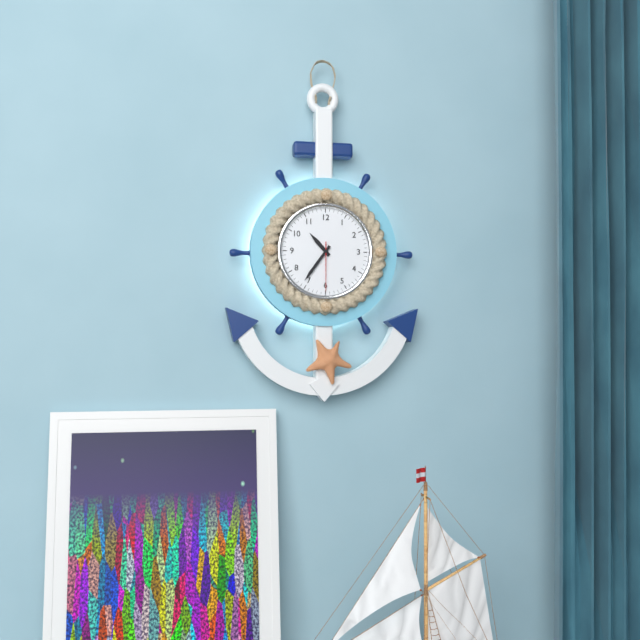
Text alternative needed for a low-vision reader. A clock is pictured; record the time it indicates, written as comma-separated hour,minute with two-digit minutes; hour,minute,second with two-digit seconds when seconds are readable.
10,36
